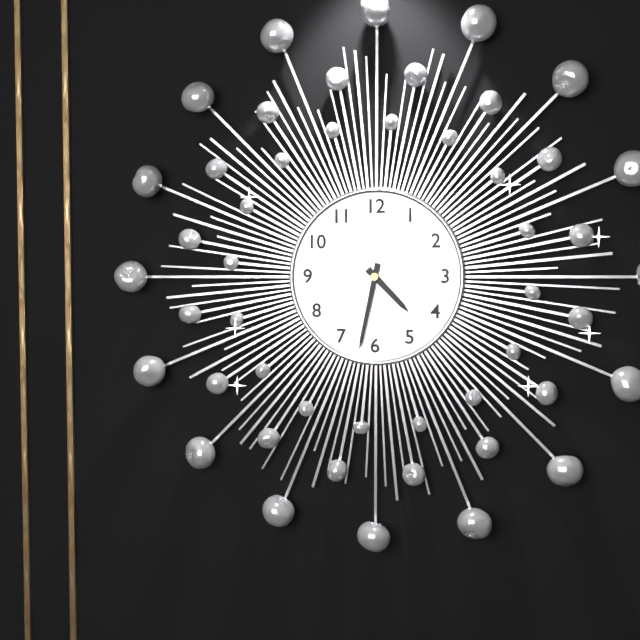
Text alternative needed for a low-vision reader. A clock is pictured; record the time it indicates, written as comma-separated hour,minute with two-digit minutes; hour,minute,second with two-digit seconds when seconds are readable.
4,32
